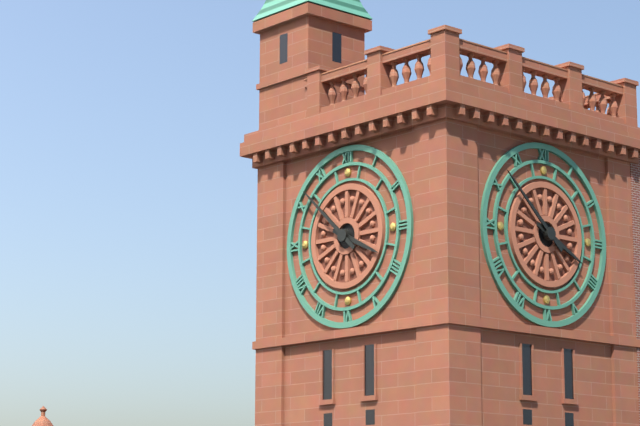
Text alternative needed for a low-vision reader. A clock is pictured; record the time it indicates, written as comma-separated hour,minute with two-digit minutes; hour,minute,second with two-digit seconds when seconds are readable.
3,52
